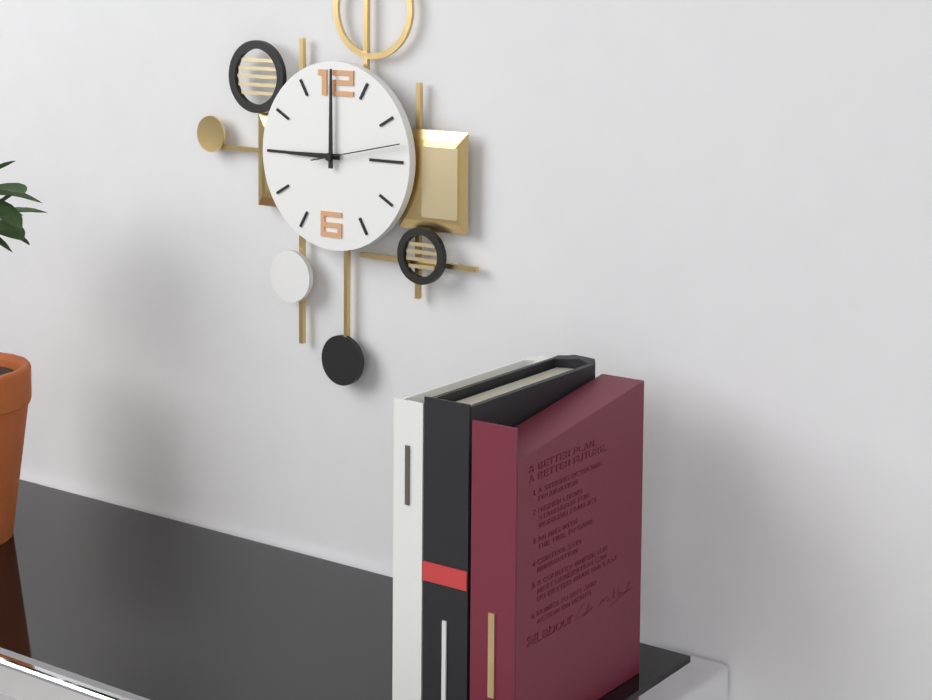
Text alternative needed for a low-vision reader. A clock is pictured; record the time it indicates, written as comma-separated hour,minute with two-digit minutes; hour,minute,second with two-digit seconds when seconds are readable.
9,00,13
